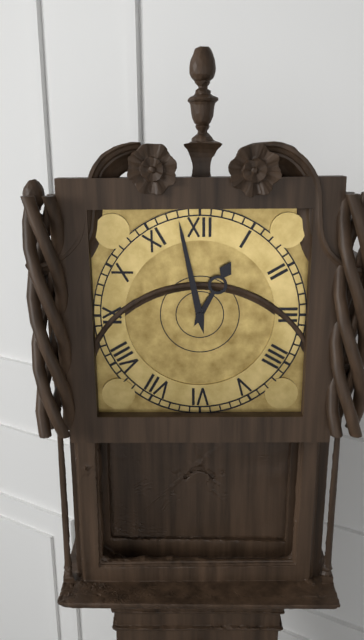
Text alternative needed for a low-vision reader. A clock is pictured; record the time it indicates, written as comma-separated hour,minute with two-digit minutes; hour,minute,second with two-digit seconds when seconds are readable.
12,58
